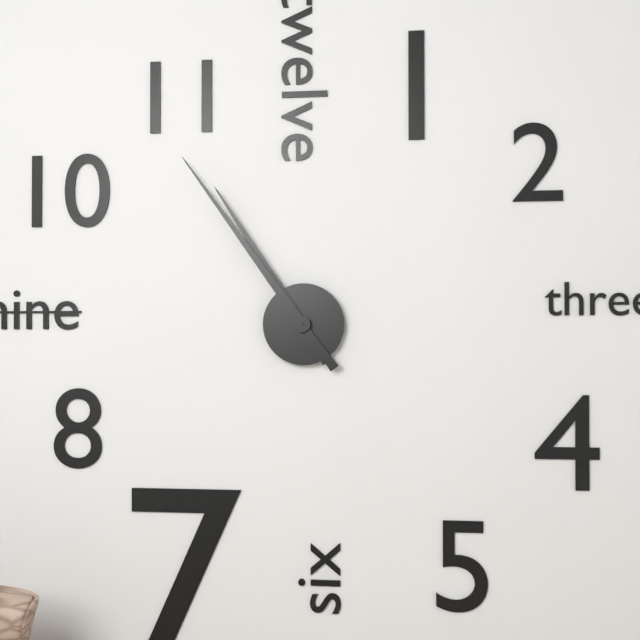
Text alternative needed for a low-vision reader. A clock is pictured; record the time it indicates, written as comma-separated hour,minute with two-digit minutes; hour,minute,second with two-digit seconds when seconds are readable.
10,54
